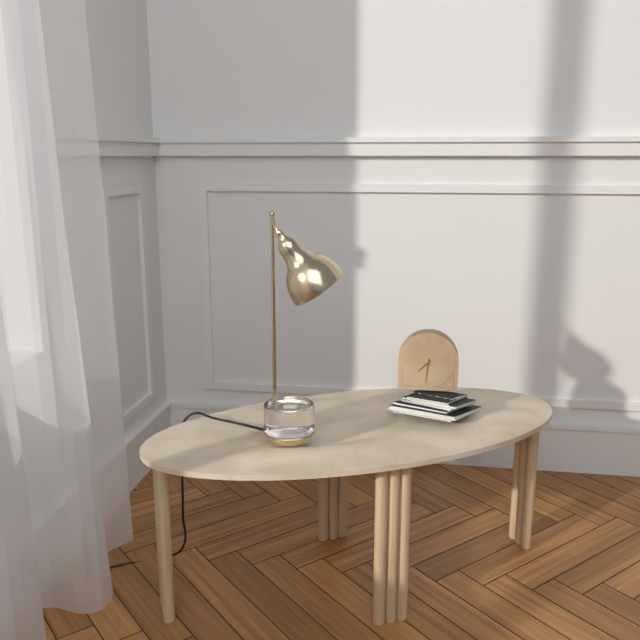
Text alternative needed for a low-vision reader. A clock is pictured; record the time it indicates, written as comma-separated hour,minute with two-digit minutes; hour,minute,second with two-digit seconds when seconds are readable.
7,31
